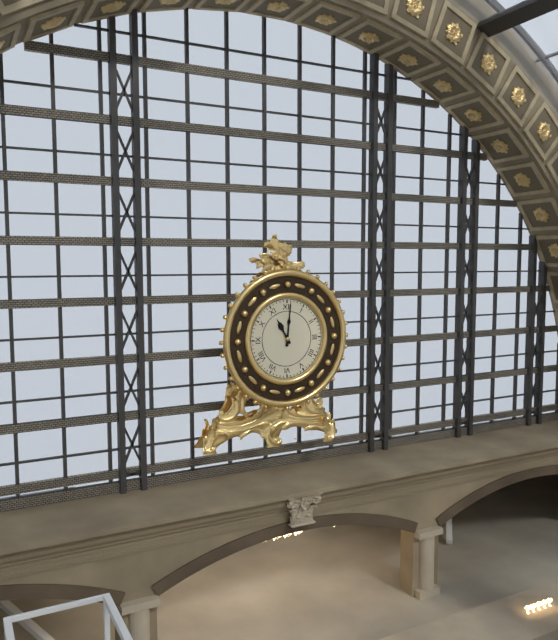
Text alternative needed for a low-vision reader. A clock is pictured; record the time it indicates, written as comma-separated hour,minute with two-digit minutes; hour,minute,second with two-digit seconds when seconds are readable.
11,01
